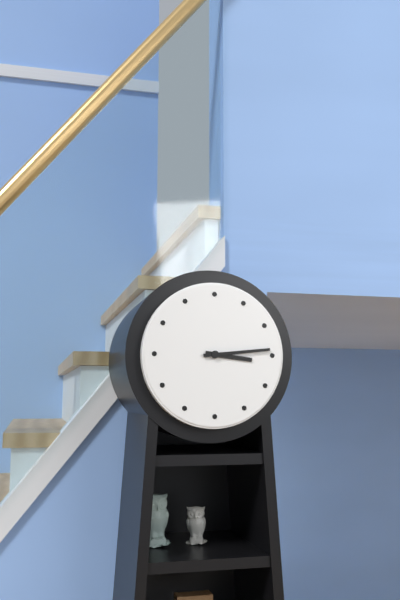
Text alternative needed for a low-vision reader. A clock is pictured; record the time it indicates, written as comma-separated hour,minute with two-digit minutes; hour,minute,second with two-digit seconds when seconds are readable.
3,14
